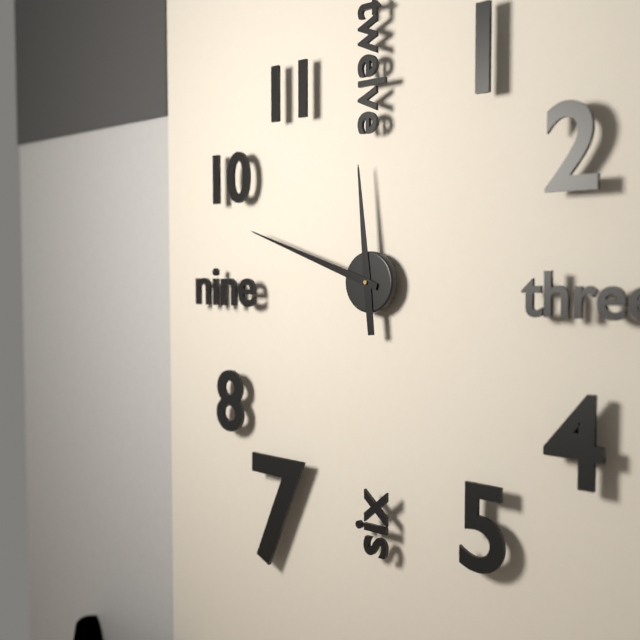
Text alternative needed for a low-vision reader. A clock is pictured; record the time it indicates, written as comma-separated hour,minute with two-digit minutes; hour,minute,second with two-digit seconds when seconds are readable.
11,48
